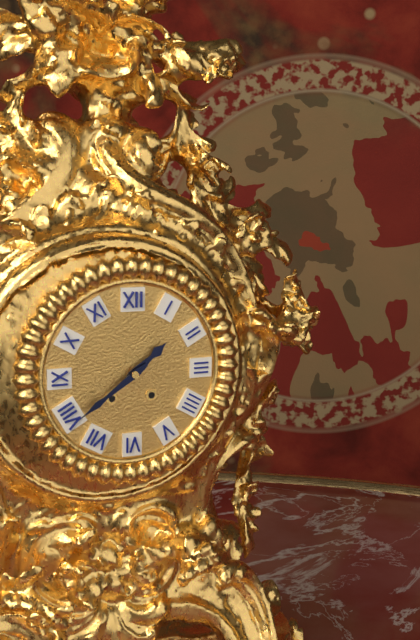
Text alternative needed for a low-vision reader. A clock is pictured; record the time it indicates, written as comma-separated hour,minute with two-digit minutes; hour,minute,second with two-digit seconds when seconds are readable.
1,39
